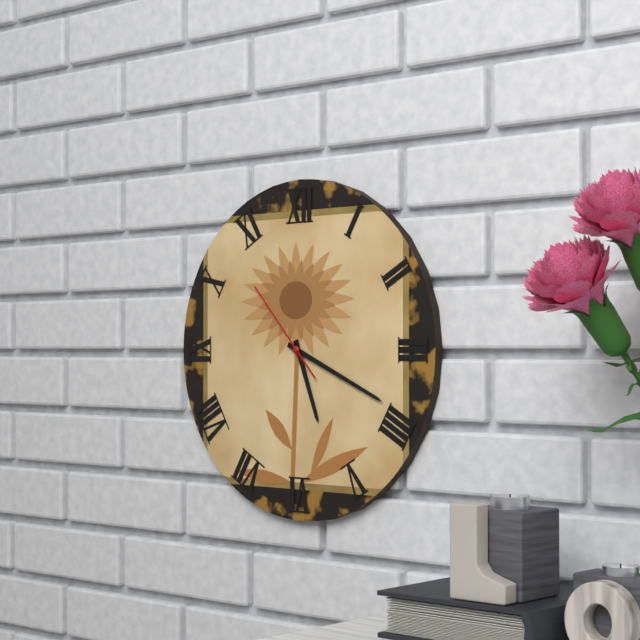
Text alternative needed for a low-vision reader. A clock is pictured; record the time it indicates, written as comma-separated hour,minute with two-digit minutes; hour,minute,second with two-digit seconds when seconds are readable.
5,19,53
